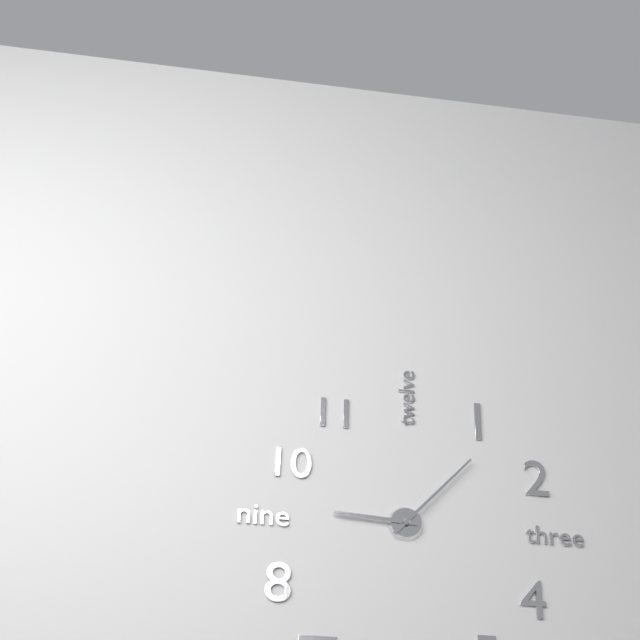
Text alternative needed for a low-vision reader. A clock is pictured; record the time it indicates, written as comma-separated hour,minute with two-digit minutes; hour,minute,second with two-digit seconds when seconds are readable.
9,07
